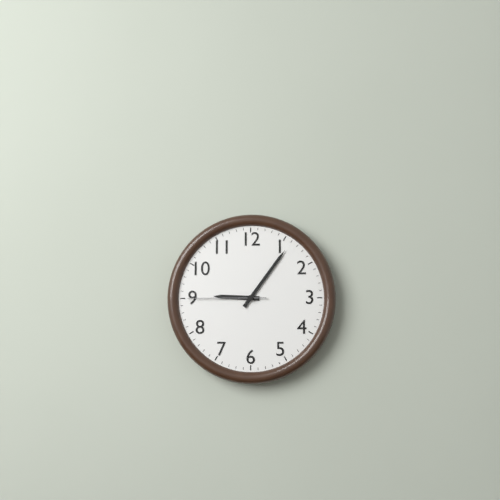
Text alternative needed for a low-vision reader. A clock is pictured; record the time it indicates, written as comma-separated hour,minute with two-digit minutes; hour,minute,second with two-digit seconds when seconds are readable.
9,06,45
